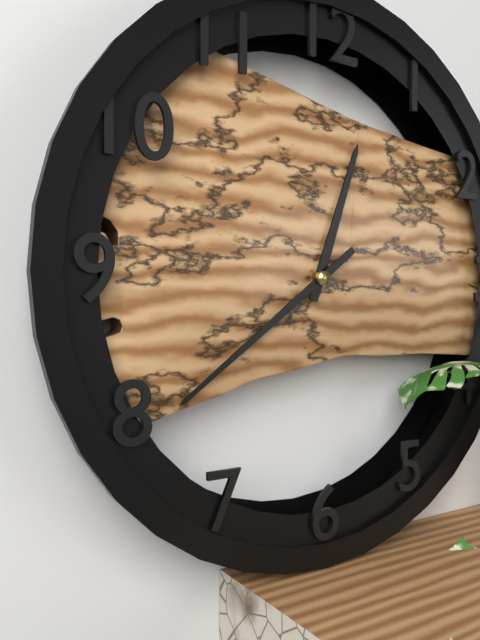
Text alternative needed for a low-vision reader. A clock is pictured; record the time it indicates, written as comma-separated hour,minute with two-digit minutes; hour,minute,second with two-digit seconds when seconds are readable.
12,39
